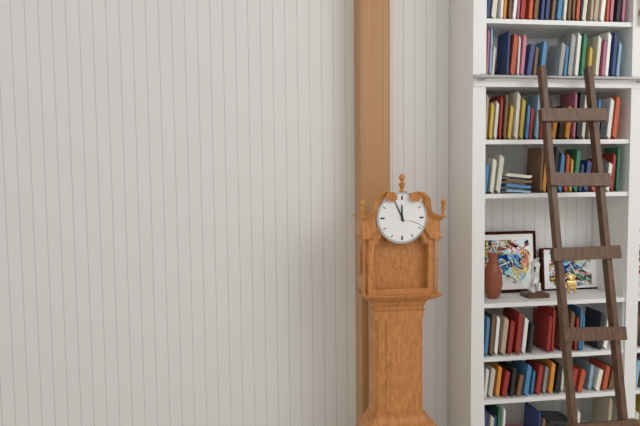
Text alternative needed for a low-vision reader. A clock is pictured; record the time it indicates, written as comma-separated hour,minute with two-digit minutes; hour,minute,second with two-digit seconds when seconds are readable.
11,56
